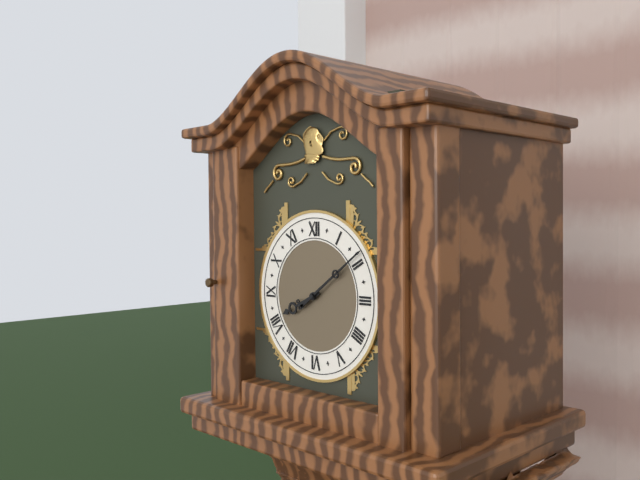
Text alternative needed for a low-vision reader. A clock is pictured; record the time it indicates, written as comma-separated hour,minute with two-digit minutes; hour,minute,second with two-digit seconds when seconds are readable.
8,09
